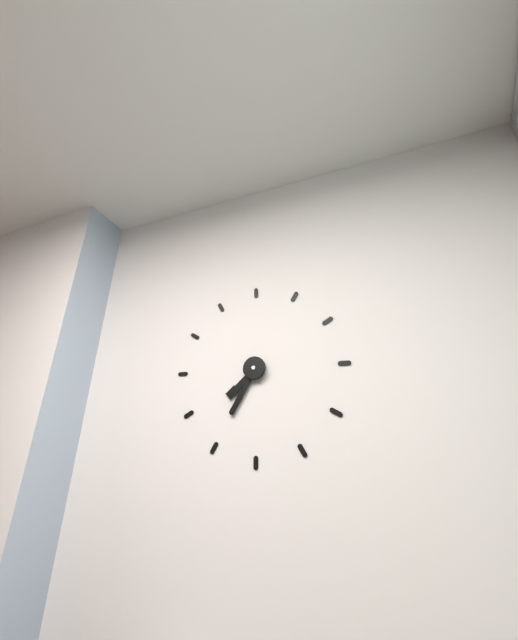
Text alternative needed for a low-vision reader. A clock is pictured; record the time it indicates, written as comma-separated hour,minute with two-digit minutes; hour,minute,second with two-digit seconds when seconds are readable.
7,35
